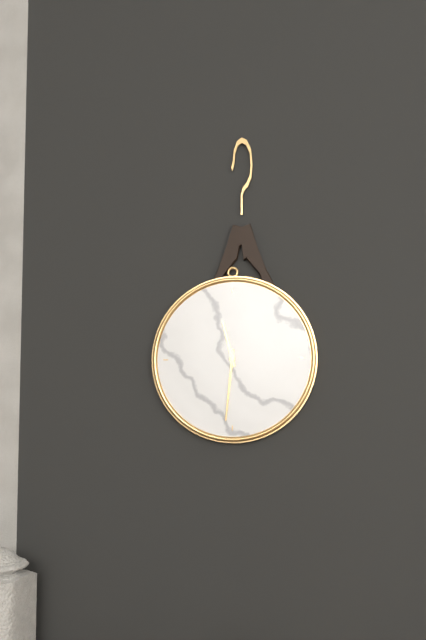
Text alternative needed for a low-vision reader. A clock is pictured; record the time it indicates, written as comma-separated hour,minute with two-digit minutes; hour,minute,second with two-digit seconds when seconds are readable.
11,31
